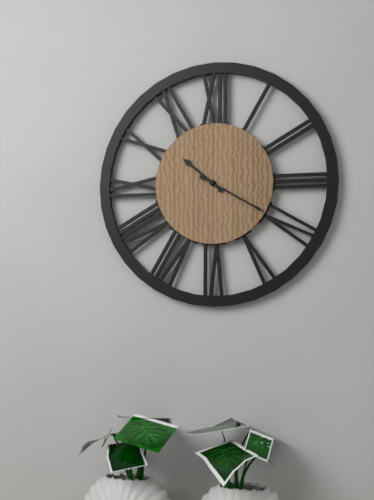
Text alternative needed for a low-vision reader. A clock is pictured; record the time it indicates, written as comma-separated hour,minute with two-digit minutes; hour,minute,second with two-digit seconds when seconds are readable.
10,20
